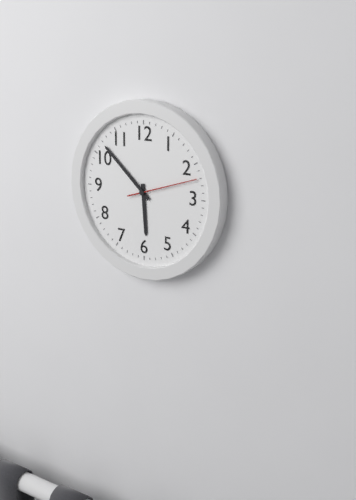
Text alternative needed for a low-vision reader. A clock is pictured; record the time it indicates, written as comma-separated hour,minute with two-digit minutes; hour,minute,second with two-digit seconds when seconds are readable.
5,52,12
